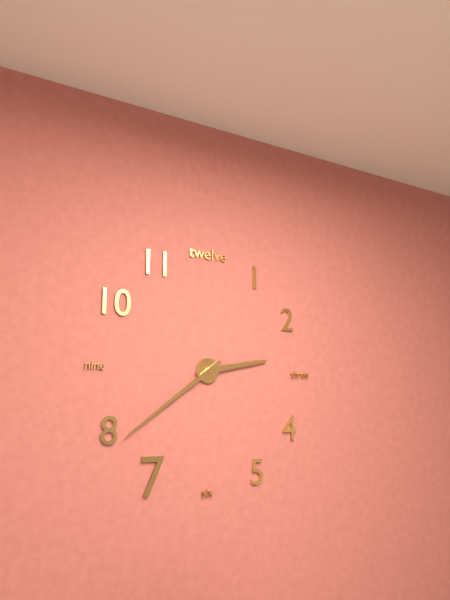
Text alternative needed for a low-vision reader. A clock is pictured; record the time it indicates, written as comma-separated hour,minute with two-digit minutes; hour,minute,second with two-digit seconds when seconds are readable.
2,39
